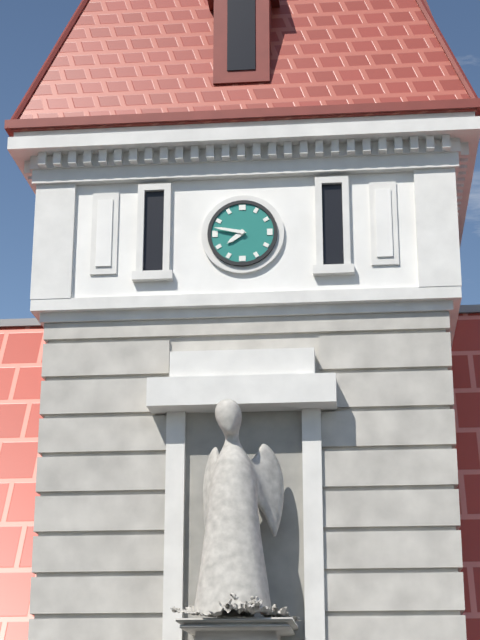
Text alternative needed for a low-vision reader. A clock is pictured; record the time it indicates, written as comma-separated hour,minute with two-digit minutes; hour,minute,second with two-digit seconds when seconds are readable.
7,47
